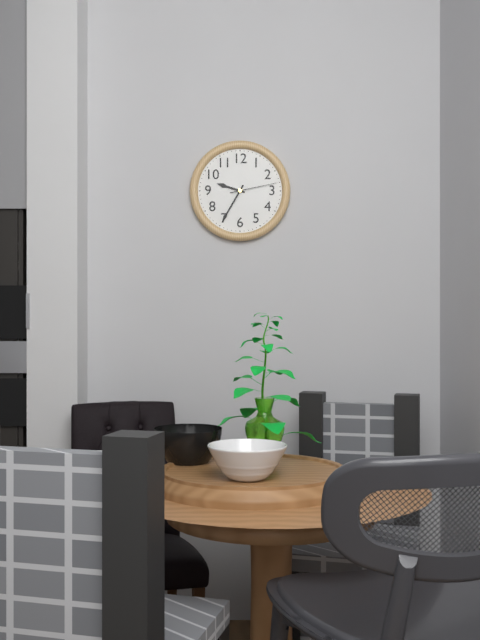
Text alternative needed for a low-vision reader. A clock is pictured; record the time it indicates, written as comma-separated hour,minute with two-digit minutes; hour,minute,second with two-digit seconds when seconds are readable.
9,35
